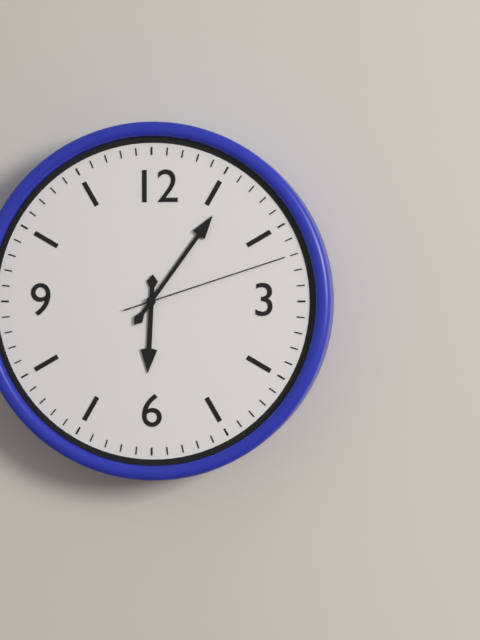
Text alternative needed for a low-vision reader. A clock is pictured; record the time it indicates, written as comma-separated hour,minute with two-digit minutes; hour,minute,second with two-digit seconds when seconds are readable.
6,06,12
